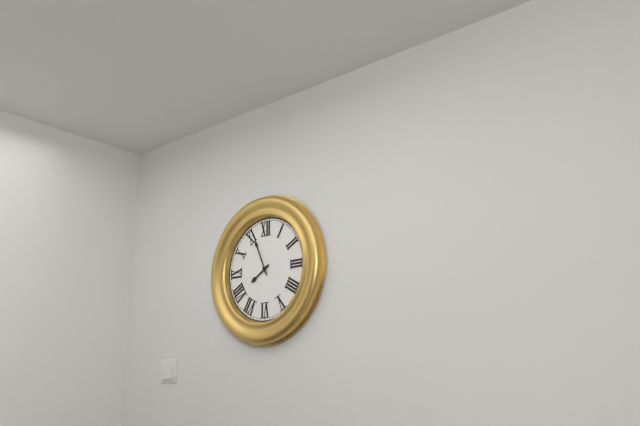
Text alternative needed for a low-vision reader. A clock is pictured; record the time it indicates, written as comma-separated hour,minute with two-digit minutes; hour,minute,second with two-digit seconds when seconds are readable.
7,56
